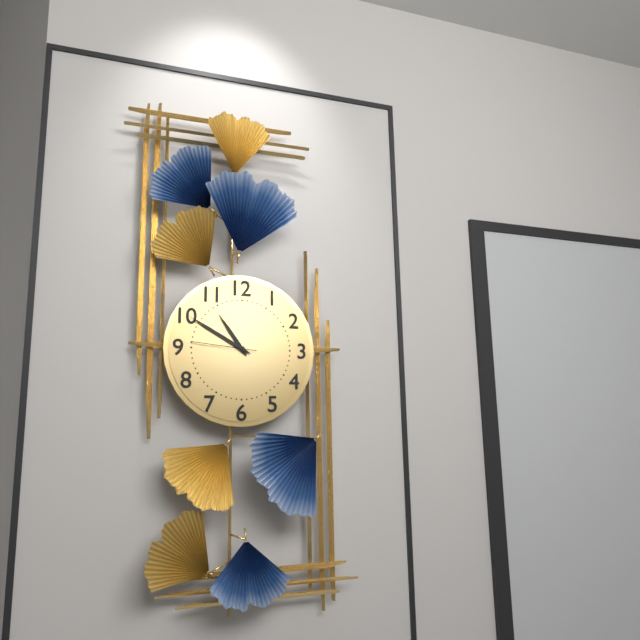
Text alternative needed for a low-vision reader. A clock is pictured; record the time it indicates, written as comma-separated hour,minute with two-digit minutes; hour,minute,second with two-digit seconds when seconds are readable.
10,50,46
